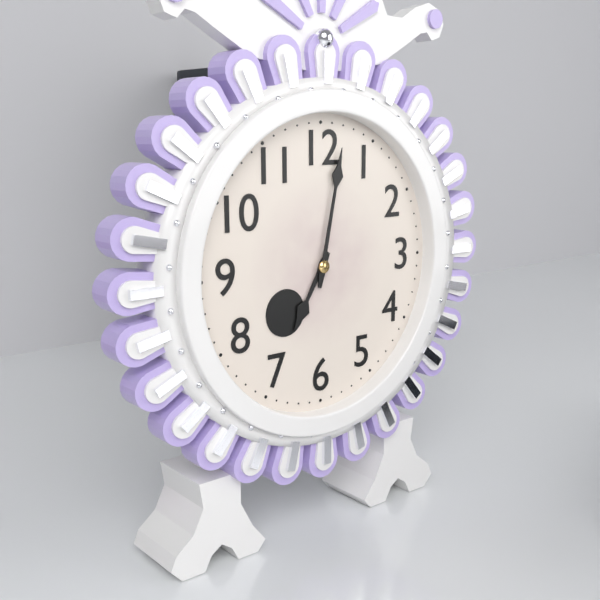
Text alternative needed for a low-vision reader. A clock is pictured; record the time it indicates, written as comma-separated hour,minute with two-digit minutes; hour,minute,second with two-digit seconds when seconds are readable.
7,02
